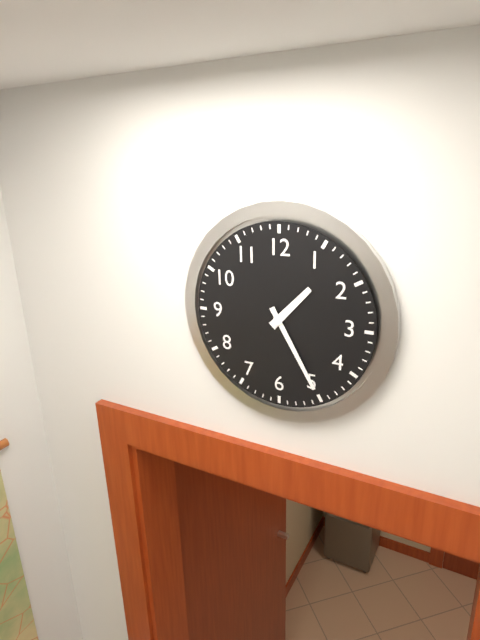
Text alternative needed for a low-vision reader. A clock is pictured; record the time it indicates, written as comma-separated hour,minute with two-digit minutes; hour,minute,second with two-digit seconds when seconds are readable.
1,25
